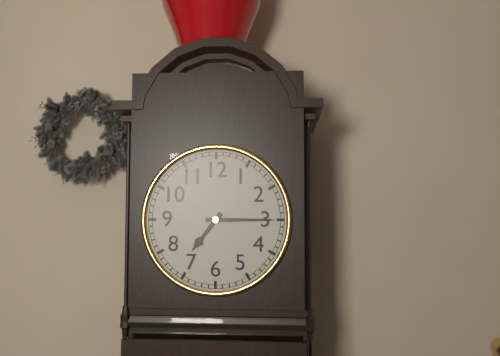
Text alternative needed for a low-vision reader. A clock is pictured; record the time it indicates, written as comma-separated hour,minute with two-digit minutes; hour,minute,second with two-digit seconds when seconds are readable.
7,15
